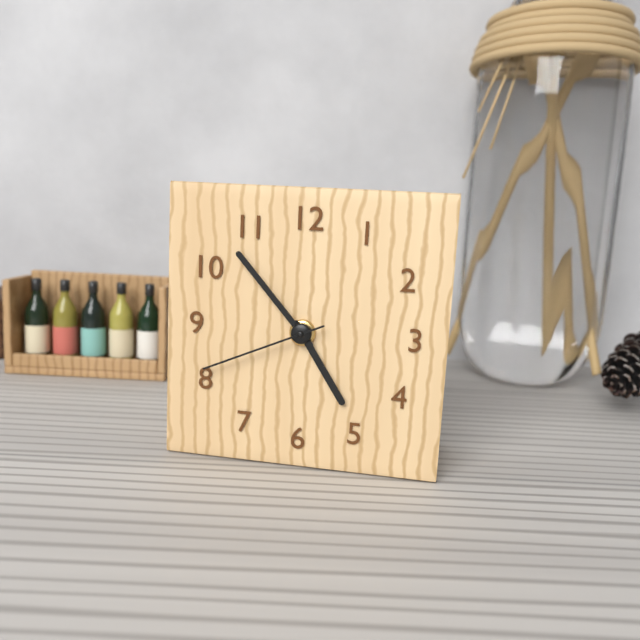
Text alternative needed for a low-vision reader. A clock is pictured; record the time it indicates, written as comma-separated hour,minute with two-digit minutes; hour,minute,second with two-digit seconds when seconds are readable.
4,53,41
